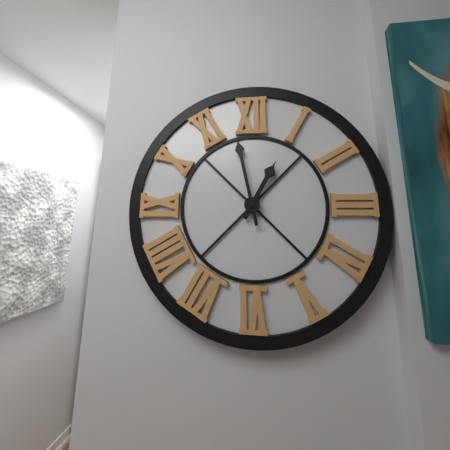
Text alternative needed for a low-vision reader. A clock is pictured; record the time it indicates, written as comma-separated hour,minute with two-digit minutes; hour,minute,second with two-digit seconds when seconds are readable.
12,58
